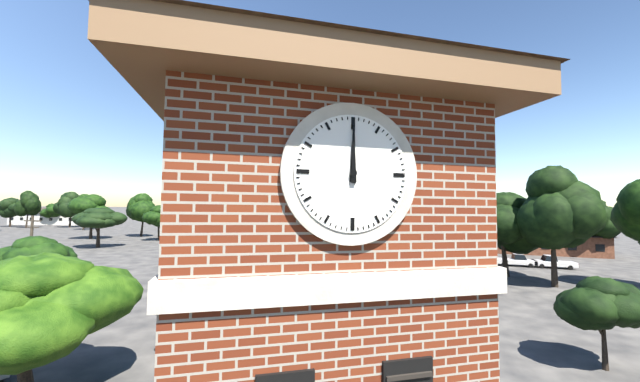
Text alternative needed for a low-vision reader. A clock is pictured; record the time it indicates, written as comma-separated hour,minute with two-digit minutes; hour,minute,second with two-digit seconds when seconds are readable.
12,00
